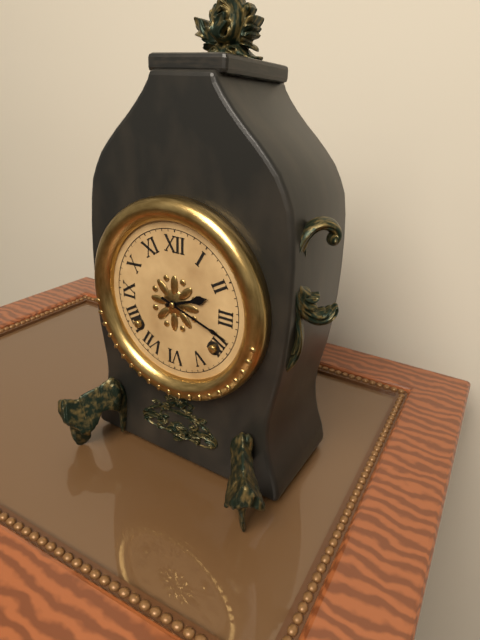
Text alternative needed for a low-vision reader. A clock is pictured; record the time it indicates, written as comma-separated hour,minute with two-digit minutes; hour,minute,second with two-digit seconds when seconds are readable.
2,18
